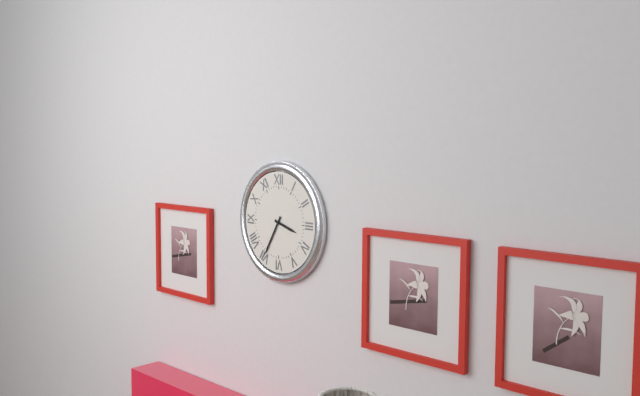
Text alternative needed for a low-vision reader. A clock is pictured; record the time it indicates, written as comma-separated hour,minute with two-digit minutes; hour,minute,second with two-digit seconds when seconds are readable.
3,35
